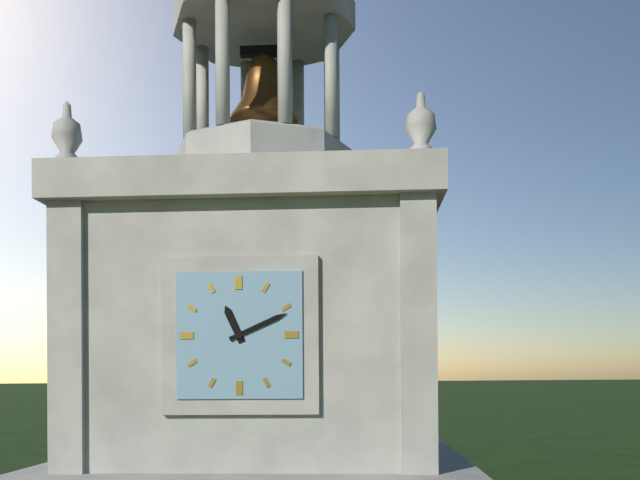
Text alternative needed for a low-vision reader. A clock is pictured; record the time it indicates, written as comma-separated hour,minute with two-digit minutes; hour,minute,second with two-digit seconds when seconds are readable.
11,11
